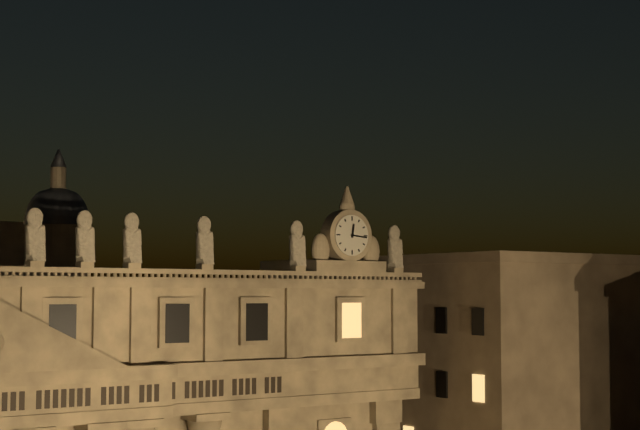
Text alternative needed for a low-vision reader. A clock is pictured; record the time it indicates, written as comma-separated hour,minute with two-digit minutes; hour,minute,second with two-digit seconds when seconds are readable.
12,16
